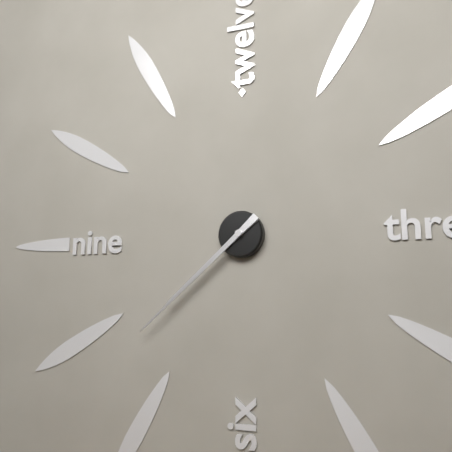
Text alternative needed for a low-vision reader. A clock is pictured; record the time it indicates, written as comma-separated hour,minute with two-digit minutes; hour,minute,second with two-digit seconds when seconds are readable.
7,38
